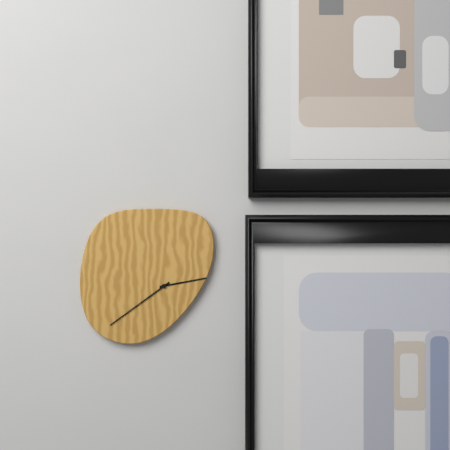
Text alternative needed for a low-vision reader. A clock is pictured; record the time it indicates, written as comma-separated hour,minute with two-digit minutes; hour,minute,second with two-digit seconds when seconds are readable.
2,39
